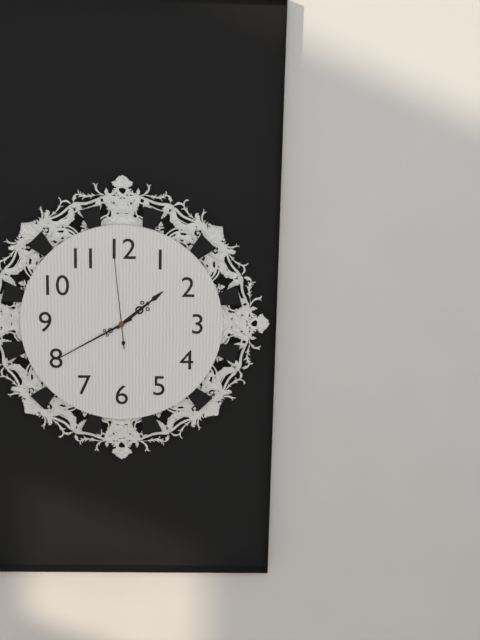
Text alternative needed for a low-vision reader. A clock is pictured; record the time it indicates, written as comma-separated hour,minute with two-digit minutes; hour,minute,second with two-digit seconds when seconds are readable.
1,40,59
